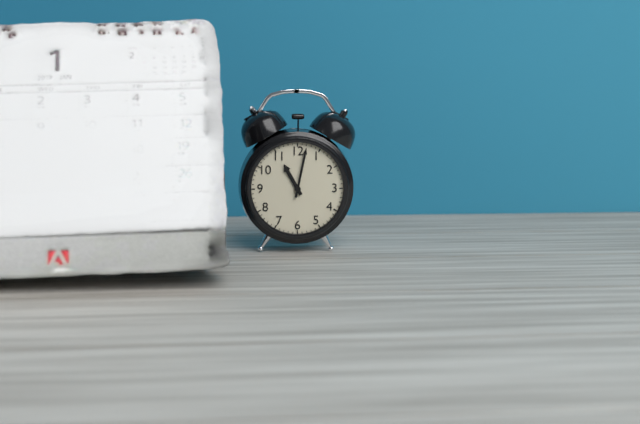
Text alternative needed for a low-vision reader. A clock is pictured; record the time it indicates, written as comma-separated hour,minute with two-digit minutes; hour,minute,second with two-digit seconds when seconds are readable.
11,02
